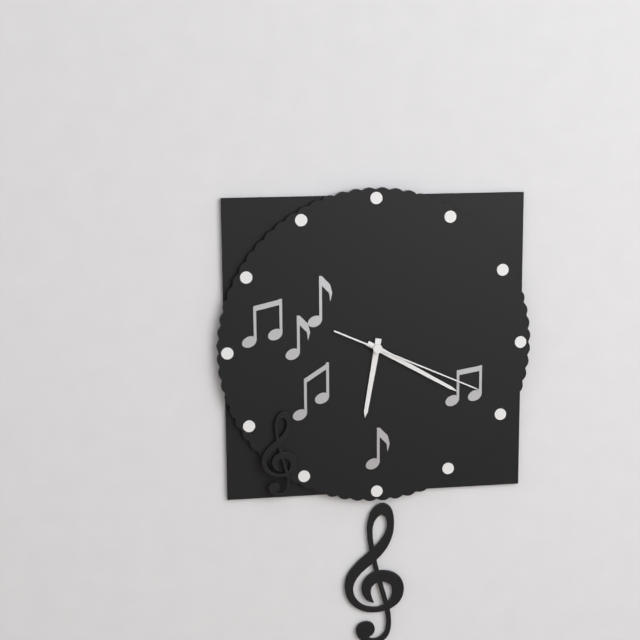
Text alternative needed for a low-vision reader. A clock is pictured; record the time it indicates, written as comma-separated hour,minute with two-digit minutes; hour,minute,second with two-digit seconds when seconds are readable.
6,20,19
